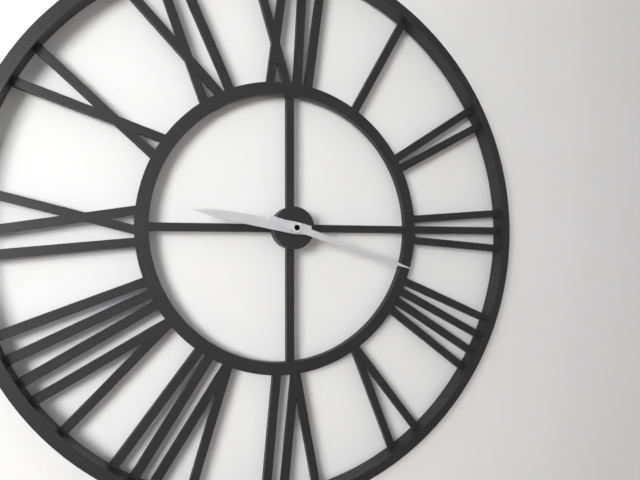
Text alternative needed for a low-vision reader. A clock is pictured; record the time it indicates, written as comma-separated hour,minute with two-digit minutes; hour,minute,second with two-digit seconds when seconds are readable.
9,18
